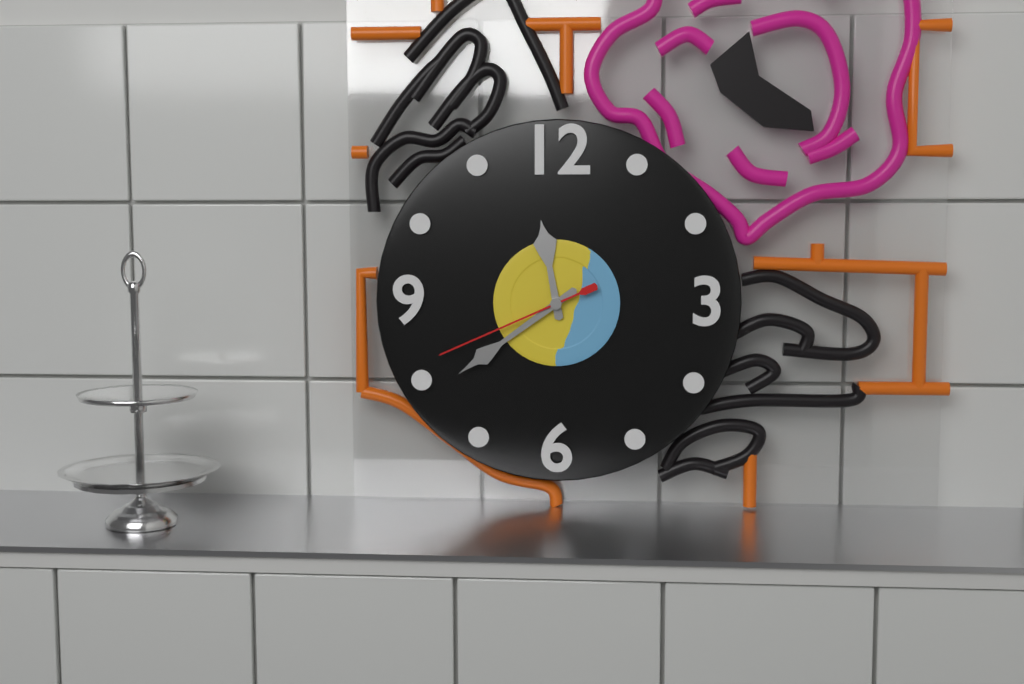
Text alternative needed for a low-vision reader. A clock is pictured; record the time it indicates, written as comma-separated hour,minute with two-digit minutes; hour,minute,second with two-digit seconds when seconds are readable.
11,39,41
